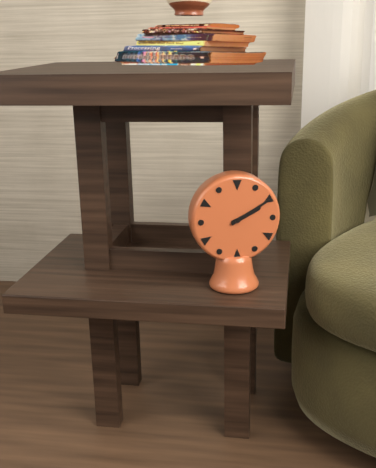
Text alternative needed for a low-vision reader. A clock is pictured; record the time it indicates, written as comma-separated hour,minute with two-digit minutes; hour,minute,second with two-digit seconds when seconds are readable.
2,10
